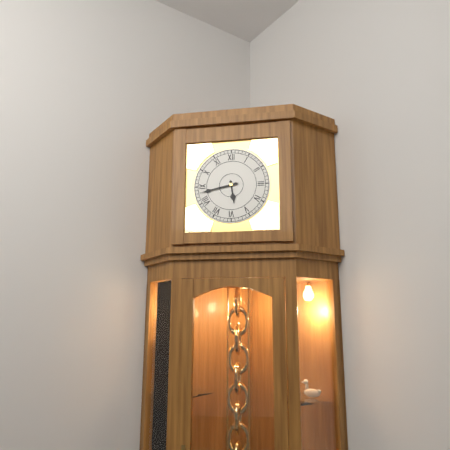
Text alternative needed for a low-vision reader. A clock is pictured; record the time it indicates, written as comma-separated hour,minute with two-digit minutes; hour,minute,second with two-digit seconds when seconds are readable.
5,43
